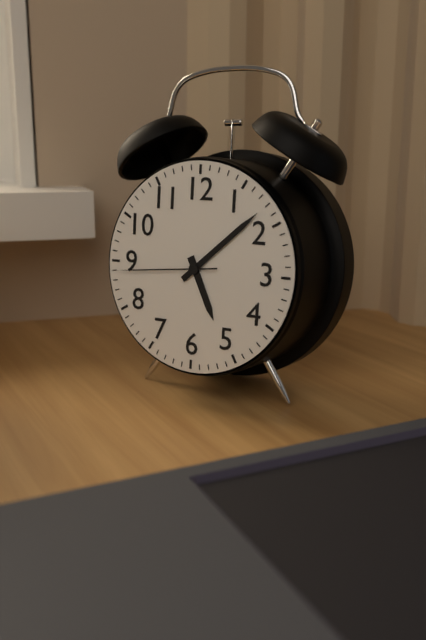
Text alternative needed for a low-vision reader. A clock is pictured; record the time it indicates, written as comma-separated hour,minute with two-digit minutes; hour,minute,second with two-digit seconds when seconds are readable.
5,08,44
